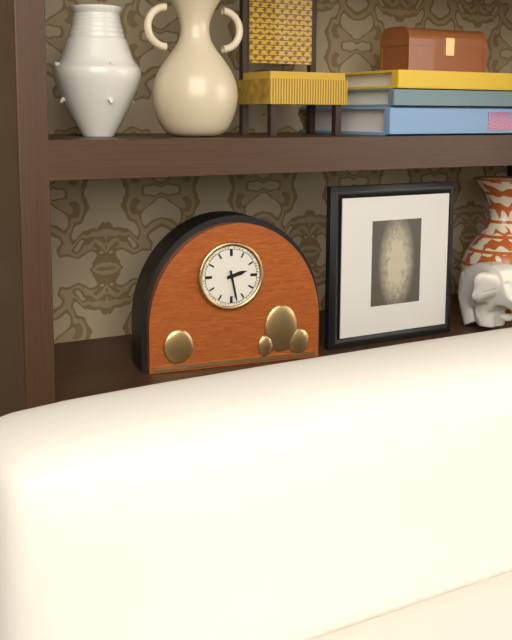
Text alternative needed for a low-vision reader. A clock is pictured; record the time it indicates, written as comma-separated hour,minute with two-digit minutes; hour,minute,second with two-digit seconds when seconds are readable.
2,28
